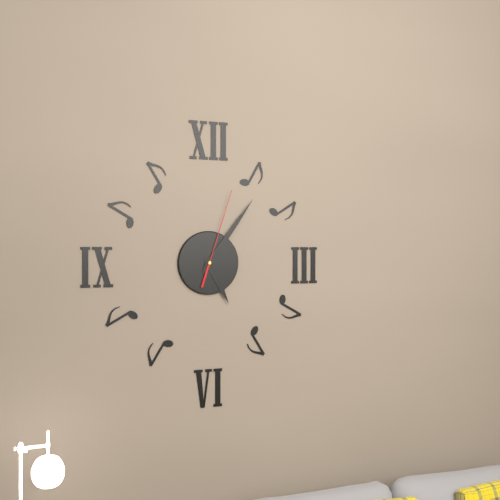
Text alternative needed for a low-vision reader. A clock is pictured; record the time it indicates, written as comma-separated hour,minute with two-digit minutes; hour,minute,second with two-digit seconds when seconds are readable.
5,06,03
